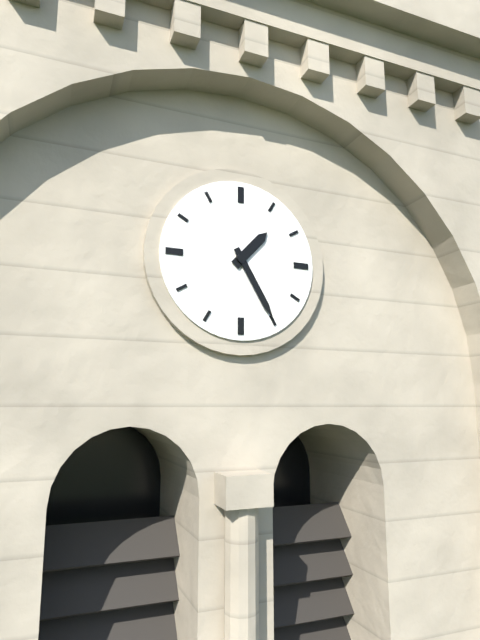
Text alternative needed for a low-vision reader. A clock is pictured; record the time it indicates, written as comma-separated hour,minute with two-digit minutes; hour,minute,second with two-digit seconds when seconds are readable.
1,25
